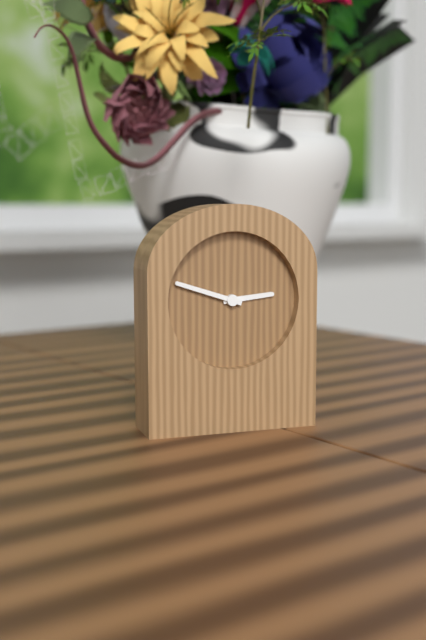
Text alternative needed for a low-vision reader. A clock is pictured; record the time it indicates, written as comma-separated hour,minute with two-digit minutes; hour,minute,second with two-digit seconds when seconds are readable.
2,48
